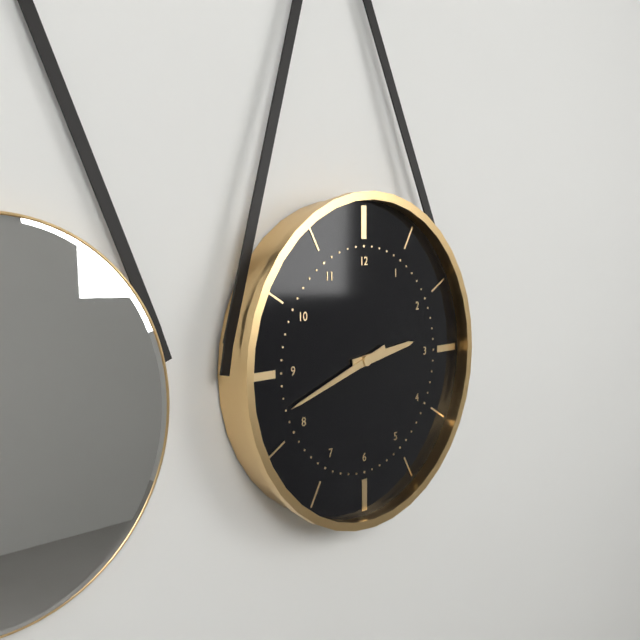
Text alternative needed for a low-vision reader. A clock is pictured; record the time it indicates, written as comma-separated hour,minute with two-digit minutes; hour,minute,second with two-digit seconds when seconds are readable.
2,42
